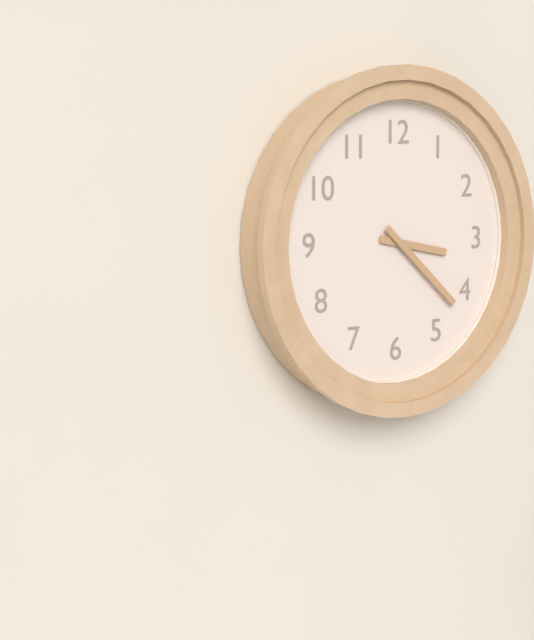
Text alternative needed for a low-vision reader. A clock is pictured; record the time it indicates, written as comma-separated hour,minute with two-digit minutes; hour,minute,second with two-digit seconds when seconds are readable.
3,22
